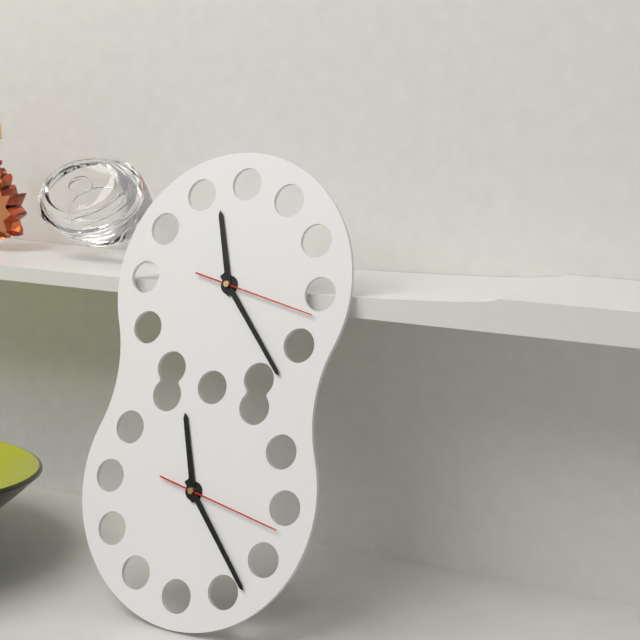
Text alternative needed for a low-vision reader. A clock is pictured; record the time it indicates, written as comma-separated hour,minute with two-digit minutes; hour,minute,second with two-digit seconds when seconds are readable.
11,23,17
